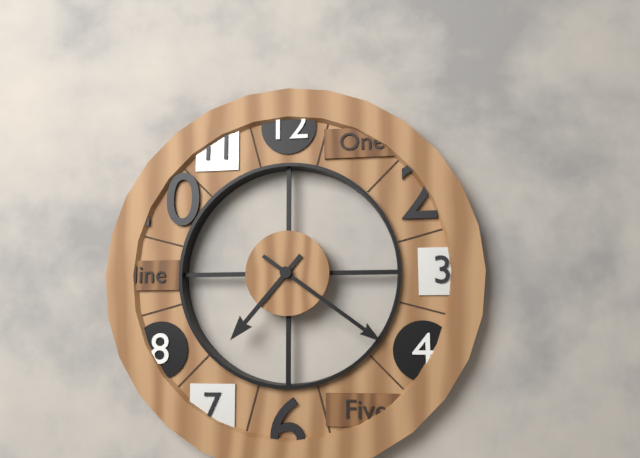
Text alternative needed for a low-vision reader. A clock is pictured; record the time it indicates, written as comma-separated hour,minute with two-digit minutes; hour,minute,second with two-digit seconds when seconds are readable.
7,21
